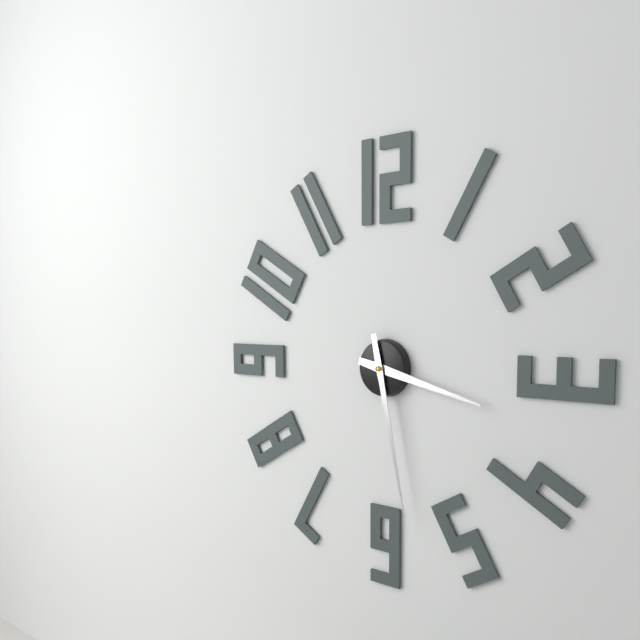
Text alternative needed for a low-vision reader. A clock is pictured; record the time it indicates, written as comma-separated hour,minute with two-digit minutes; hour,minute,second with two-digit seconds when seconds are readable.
3,28
